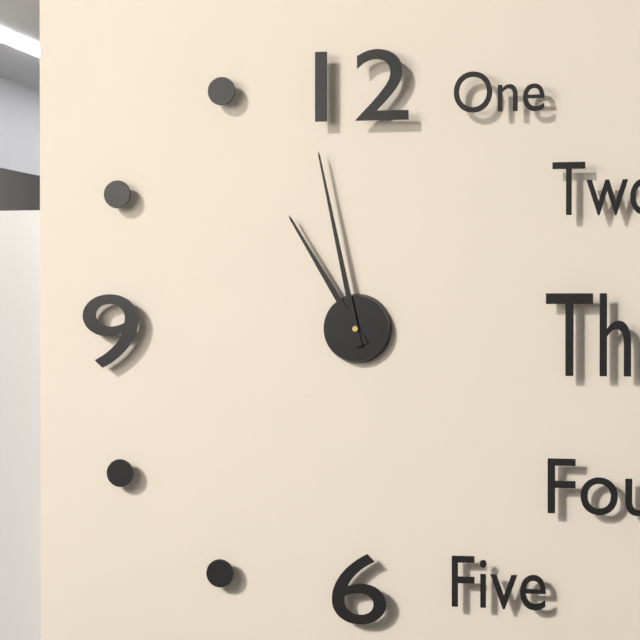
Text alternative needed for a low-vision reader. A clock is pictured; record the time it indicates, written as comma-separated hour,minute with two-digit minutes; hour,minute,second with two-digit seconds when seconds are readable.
10,58
